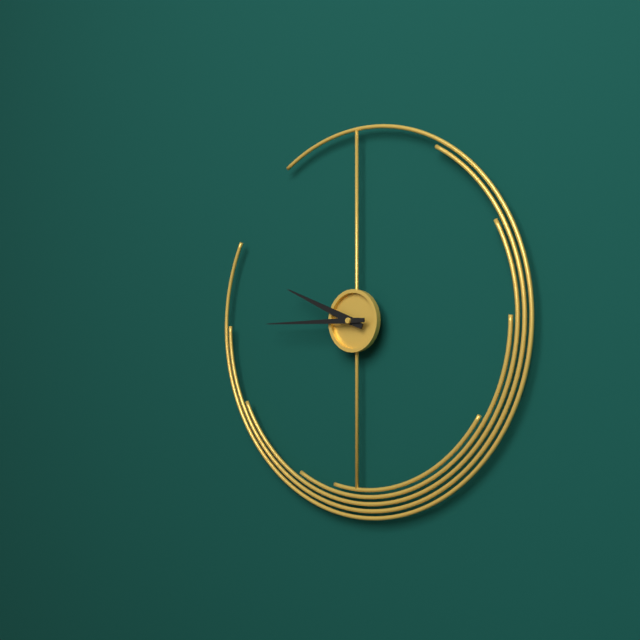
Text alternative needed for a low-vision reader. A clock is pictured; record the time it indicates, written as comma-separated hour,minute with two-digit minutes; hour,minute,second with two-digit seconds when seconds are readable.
9,45
